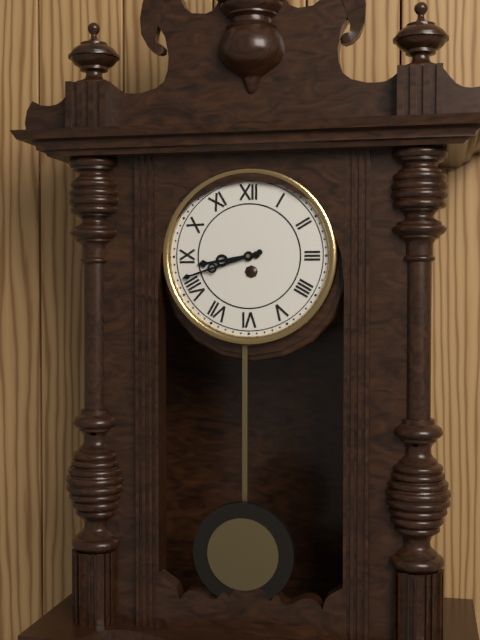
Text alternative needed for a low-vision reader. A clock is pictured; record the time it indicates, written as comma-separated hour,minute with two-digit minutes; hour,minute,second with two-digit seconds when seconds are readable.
8,42
